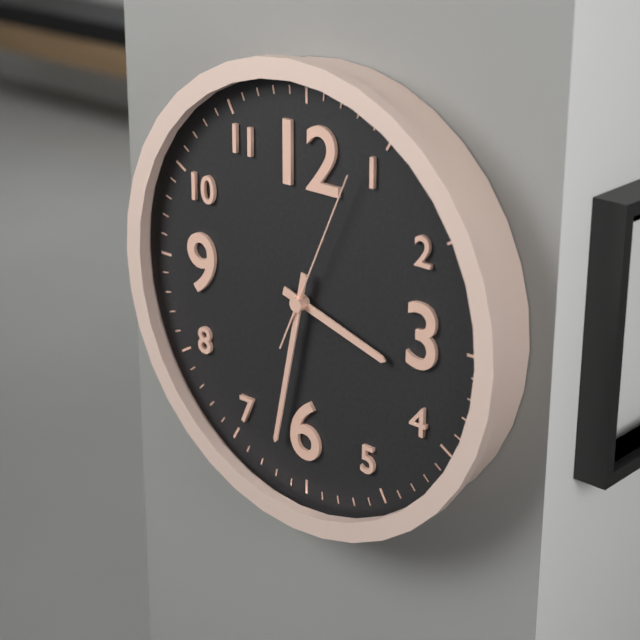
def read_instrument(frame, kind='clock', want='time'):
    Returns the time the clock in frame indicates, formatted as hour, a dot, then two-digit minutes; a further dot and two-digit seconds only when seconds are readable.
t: 3.32.04
